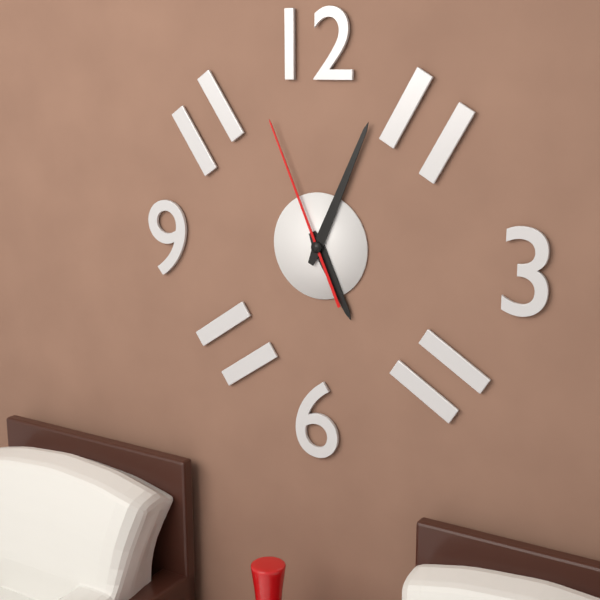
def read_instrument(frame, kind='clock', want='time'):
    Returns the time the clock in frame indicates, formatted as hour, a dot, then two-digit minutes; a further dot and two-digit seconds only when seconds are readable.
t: 5.04.56
